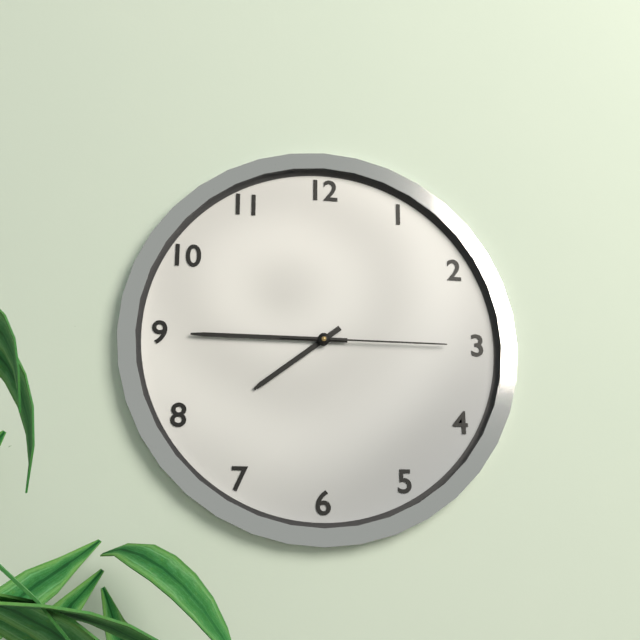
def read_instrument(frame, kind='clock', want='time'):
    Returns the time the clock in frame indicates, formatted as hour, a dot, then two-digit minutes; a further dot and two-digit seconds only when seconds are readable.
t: 7.45.15
